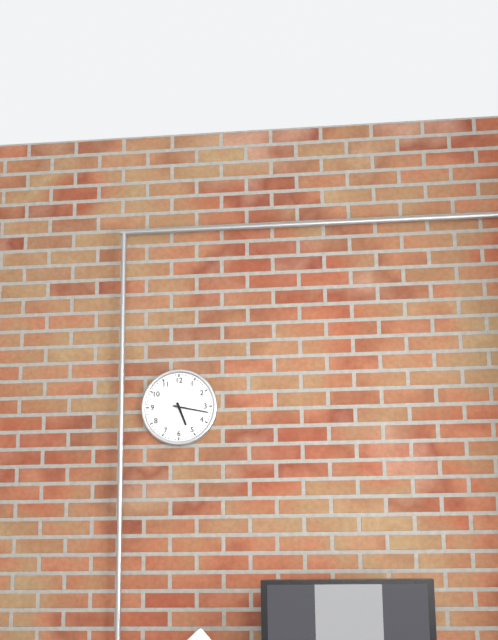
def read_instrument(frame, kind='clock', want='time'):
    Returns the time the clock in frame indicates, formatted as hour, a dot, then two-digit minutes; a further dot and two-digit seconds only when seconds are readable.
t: 5.17
